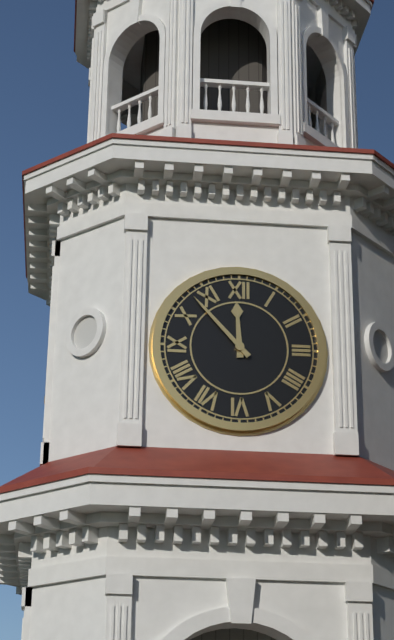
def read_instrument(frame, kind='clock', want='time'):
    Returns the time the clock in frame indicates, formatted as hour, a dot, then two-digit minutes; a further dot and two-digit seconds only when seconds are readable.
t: 11.53
